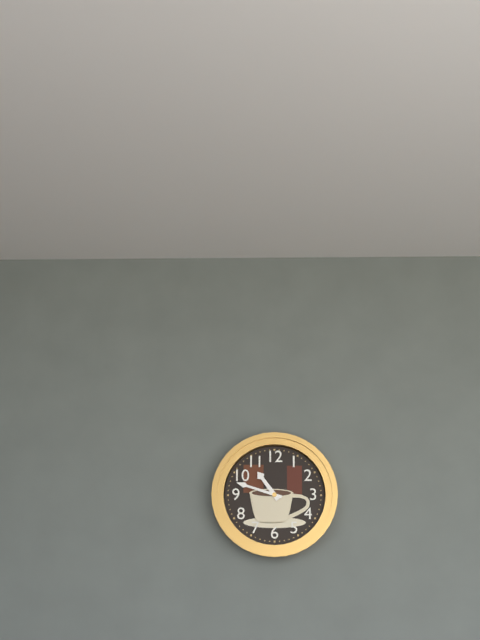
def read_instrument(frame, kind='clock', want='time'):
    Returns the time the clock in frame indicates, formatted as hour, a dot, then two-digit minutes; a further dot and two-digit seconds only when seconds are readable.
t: 10.48
